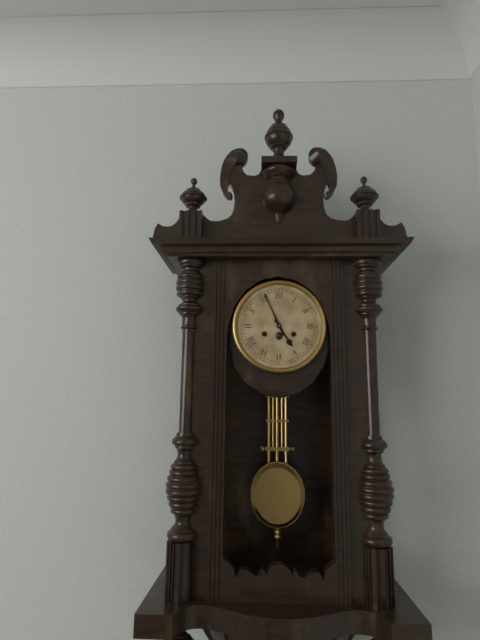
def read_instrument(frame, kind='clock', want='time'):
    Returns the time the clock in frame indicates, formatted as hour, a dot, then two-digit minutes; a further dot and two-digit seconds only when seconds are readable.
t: 4.56
